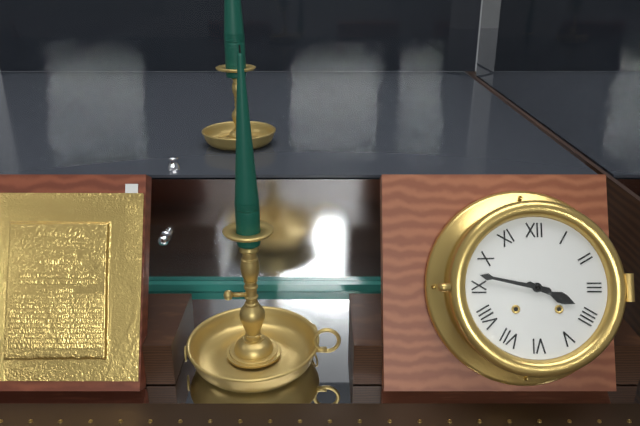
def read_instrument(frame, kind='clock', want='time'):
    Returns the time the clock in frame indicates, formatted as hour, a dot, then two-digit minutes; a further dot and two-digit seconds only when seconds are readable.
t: 3.47
